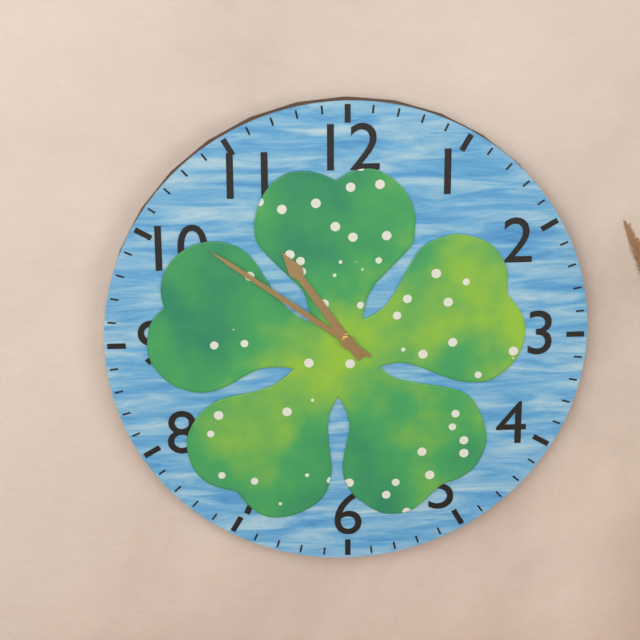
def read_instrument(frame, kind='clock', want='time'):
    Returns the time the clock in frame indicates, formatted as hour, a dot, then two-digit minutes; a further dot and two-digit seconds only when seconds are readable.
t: 10.51
